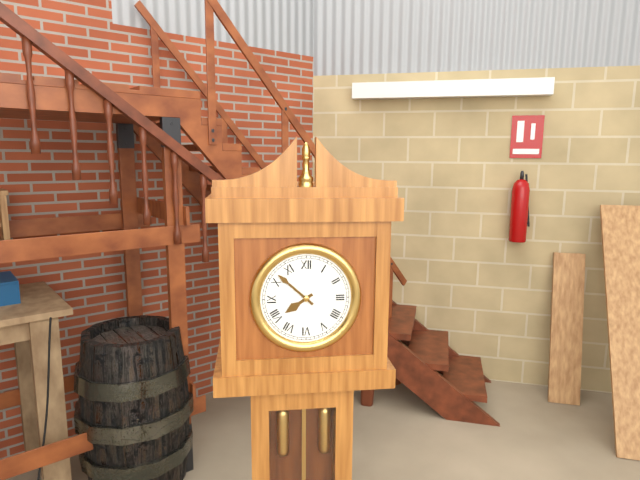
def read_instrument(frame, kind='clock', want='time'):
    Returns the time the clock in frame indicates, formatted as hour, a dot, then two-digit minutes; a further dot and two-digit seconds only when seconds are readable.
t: 7.52
